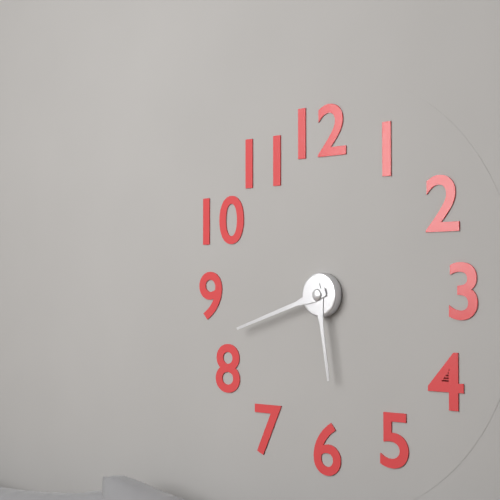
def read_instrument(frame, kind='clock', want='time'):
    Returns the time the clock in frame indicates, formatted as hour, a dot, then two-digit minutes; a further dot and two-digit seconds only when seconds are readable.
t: 5.42
